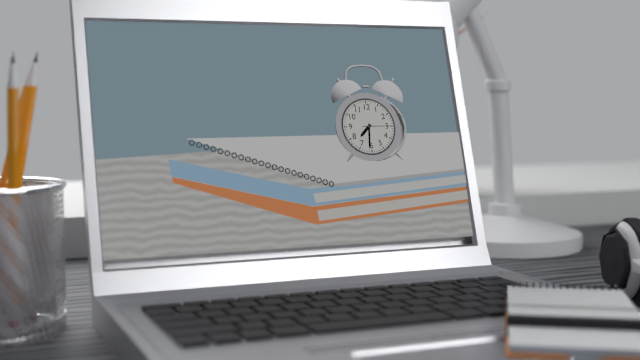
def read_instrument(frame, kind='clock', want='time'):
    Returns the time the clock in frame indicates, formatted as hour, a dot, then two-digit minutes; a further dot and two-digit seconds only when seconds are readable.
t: 7.31
